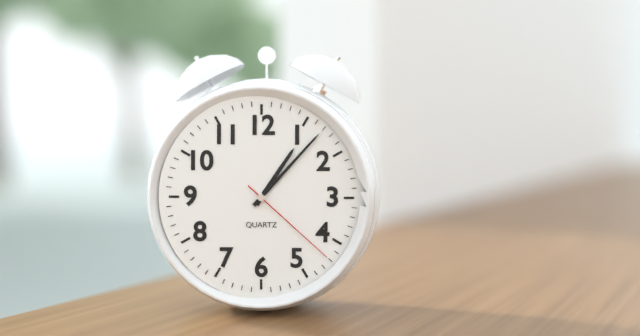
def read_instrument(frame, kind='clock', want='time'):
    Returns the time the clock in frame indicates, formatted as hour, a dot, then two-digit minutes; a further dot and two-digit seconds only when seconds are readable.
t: 1.07.22
